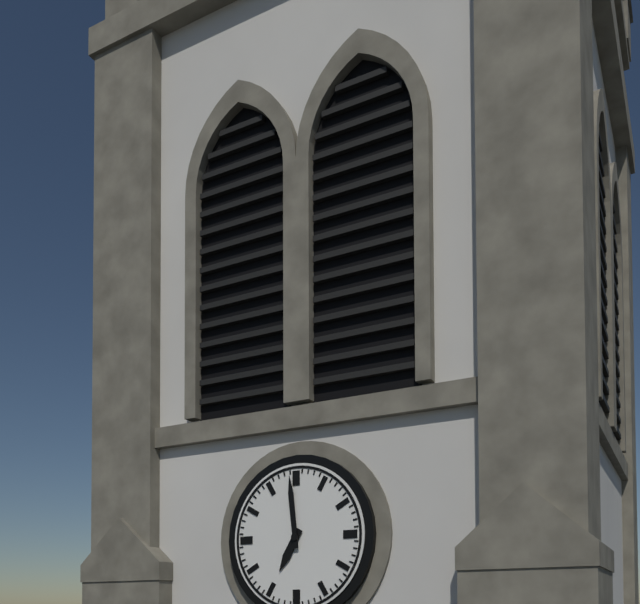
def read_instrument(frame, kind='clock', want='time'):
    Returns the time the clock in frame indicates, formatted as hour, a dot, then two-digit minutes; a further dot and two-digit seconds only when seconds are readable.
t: 6.59
